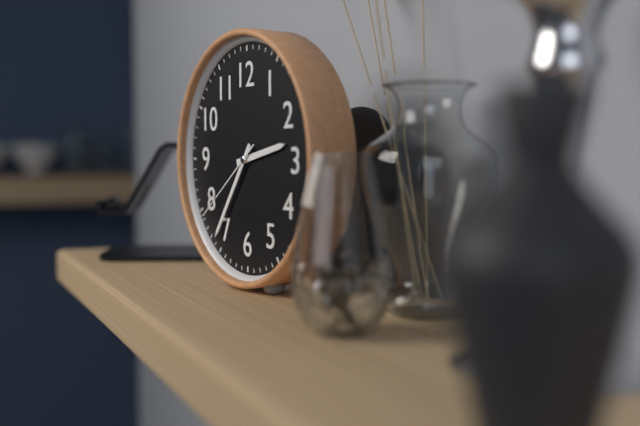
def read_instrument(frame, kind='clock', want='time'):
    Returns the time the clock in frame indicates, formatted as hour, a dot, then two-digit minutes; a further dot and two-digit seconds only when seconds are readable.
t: 2.36.39
